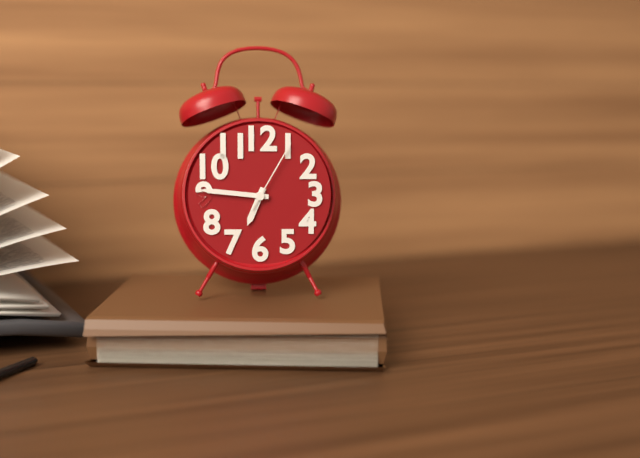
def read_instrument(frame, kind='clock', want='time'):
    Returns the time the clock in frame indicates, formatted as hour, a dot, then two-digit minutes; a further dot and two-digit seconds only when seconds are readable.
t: 6.46.05
